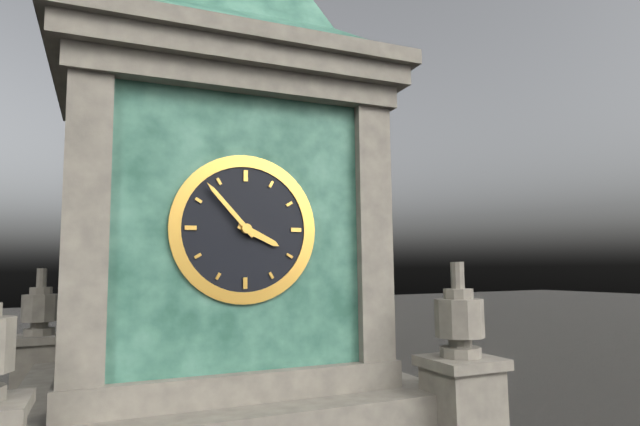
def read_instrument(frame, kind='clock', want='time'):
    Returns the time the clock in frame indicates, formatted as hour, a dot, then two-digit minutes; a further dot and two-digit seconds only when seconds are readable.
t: 3.53
